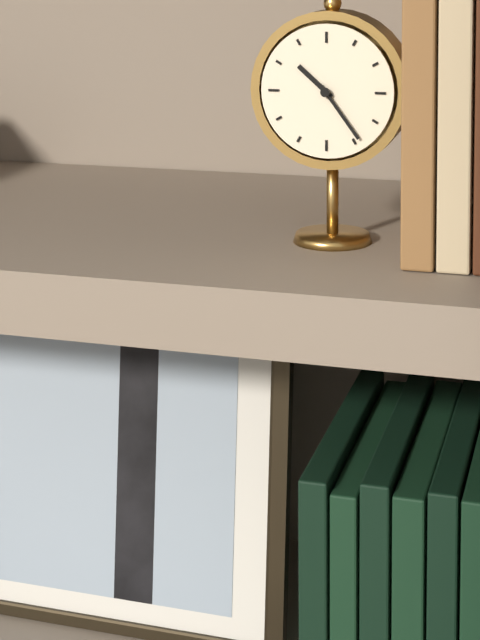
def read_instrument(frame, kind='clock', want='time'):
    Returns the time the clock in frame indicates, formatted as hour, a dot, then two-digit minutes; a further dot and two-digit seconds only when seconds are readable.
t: 10.24
